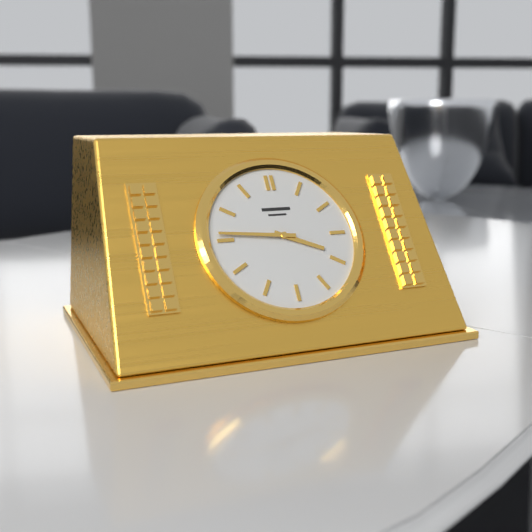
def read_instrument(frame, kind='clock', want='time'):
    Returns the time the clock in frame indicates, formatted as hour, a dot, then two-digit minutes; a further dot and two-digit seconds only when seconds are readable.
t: 3.46
